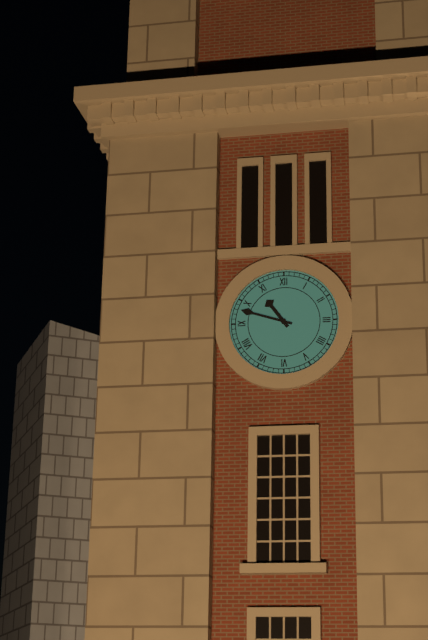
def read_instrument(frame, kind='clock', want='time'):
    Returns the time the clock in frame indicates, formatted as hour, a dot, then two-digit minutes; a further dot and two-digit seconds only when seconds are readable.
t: 10.48
